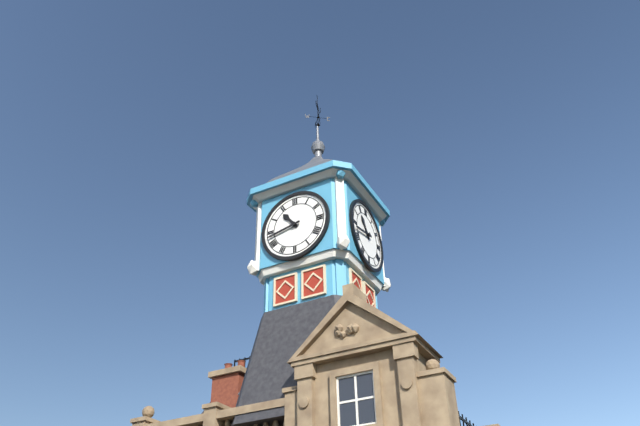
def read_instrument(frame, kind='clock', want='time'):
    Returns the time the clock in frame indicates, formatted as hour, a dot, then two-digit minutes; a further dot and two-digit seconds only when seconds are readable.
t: 10.43
